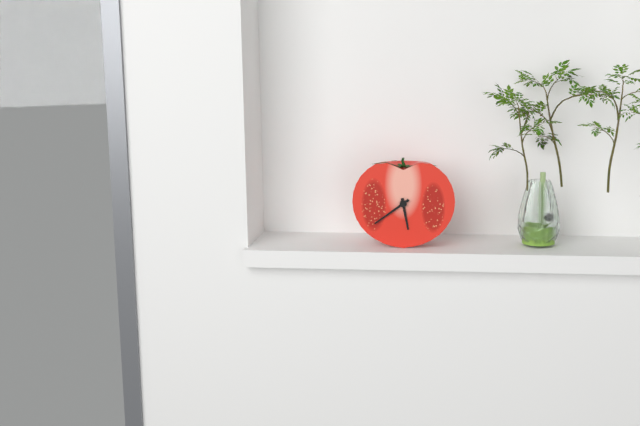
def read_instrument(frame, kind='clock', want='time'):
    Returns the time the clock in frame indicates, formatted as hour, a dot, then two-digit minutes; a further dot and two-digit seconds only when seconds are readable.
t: 5.39
